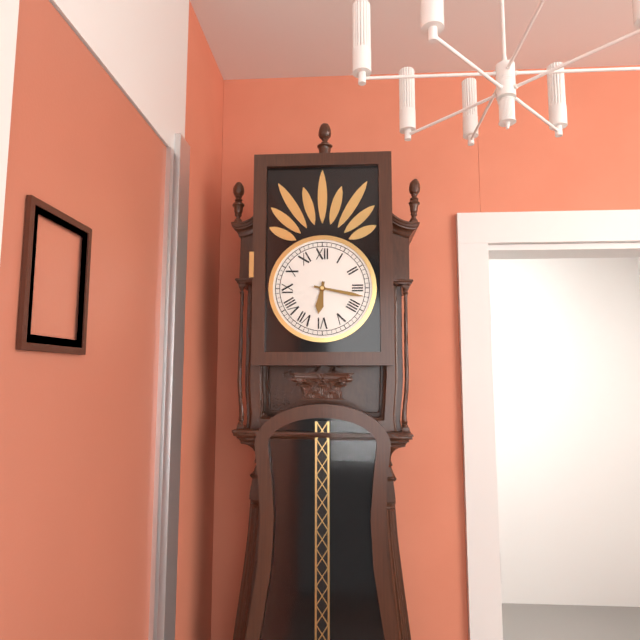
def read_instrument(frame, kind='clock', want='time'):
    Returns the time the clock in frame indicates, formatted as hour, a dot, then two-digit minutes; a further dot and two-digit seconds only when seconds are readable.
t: 6.17
